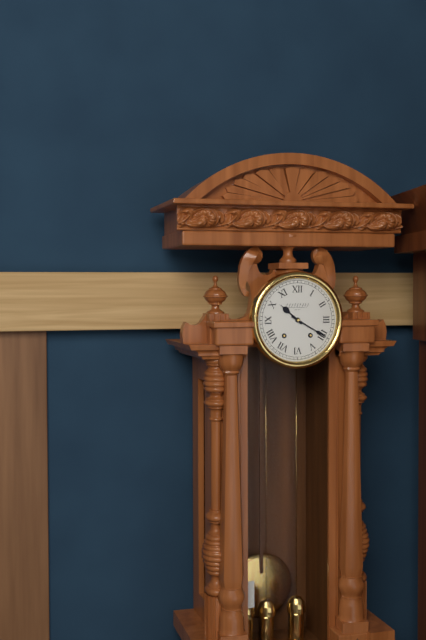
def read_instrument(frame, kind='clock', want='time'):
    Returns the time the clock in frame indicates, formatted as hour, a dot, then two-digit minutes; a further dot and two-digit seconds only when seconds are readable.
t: 10.20
